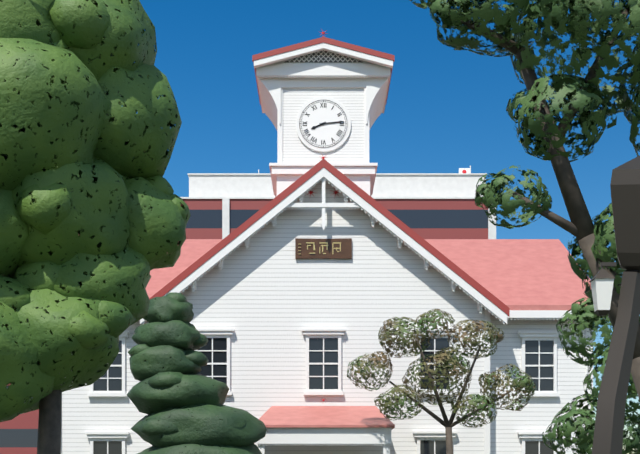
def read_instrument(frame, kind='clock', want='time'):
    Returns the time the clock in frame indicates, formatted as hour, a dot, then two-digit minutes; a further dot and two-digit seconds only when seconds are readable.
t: 8.14
